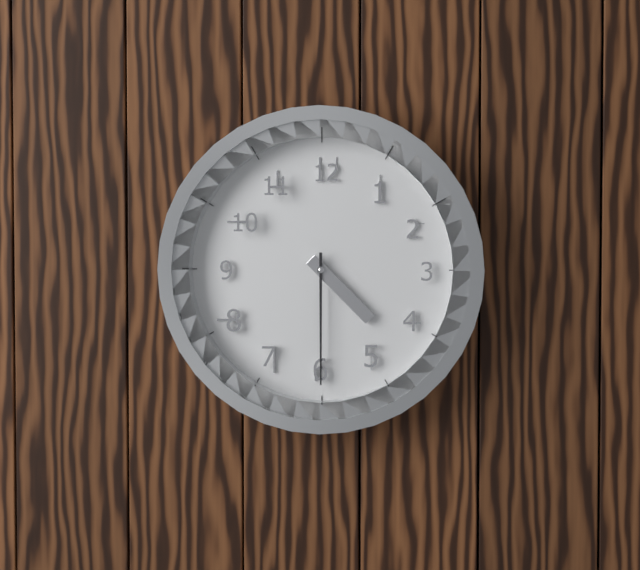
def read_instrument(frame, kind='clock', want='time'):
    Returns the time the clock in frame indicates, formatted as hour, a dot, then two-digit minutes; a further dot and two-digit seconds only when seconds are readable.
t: 4.30
